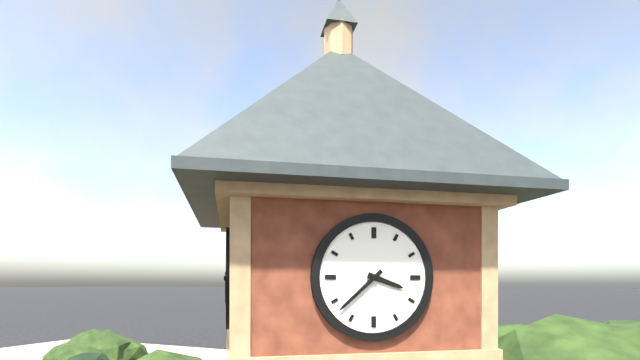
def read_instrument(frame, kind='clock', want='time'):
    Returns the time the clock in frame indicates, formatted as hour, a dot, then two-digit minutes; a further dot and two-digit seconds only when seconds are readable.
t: 3.38
